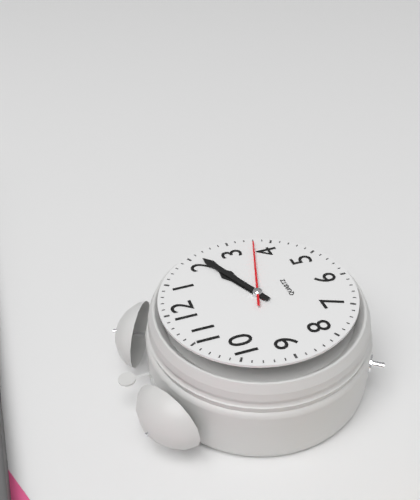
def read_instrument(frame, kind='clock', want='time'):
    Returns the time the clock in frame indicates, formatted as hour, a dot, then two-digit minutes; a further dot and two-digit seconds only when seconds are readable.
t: 2.11.18
